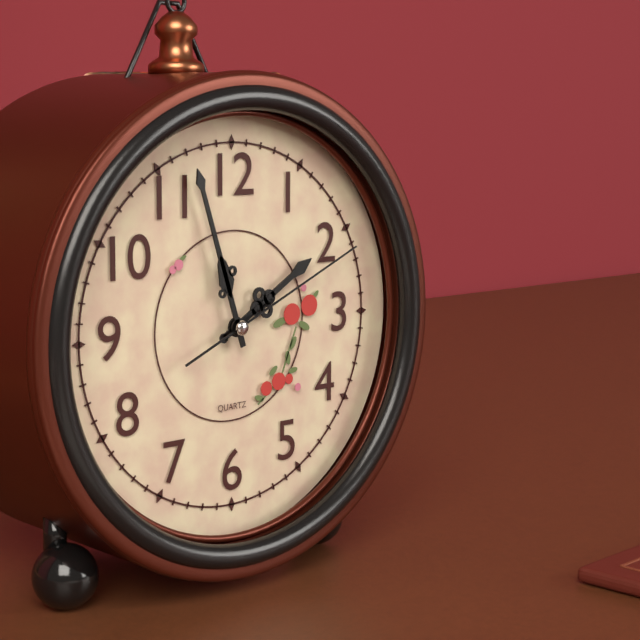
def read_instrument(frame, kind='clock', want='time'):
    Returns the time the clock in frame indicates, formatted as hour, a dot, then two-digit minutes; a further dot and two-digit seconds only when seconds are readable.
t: 1.57.11
